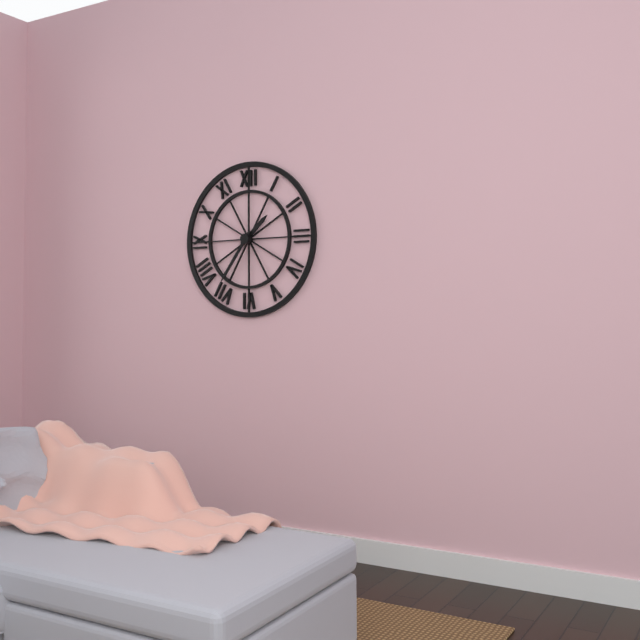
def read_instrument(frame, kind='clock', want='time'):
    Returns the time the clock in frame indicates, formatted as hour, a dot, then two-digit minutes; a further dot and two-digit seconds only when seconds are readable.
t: 1.36
